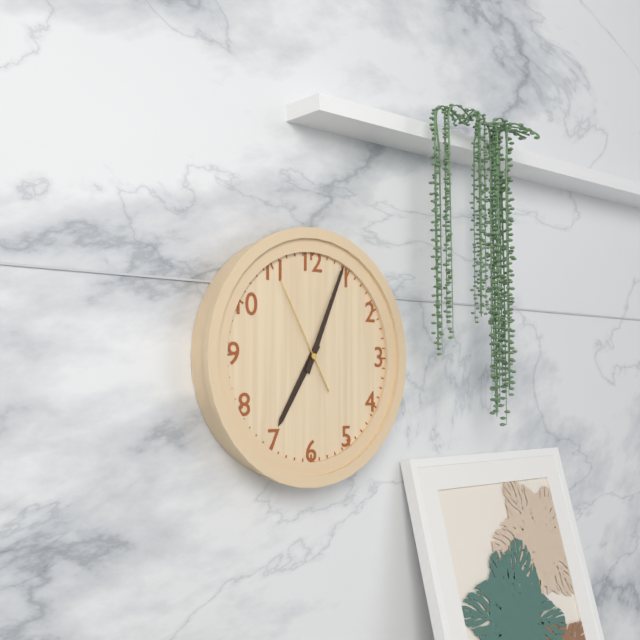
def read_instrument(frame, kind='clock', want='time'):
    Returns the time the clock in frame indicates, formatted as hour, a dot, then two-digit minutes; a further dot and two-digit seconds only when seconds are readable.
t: 7.04.55
